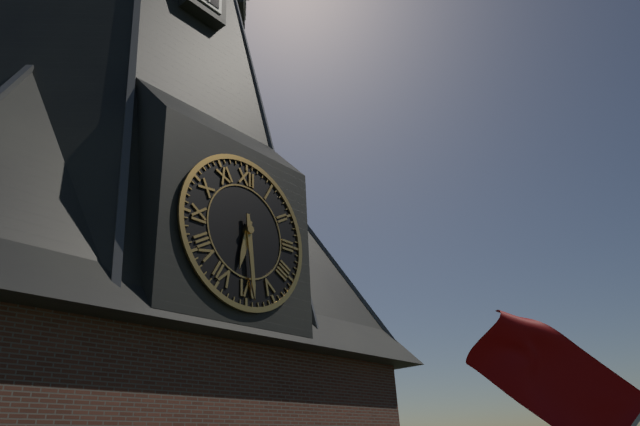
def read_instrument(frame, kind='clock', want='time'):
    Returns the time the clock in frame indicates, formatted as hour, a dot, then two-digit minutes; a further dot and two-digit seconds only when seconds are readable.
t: 6.29
